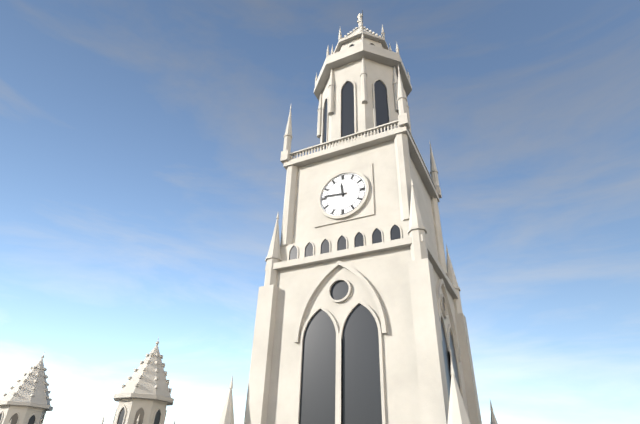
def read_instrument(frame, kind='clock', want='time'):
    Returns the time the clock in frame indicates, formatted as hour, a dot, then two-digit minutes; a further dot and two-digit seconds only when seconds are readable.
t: 11.46
